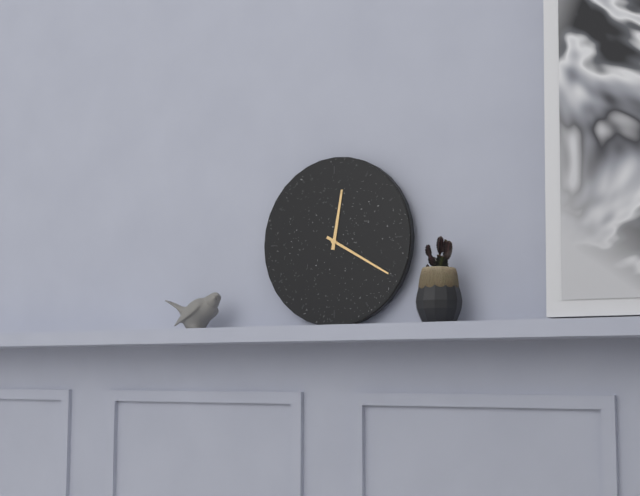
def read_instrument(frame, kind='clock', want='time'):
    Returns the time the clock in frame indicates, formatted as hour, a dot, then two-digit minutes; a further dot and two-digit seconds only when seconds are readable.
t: 12.20
